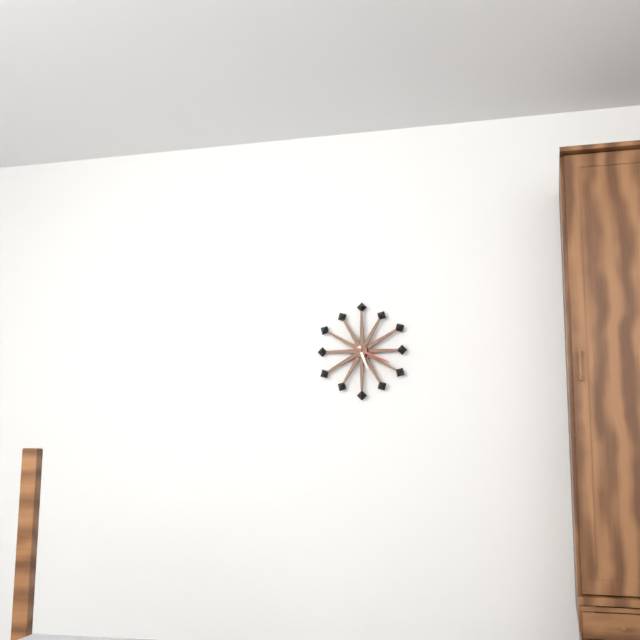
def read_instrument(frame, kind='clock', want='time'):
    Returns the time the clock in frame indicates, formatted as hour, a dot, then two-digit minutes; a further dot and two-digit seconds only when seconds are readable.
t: 5.19
